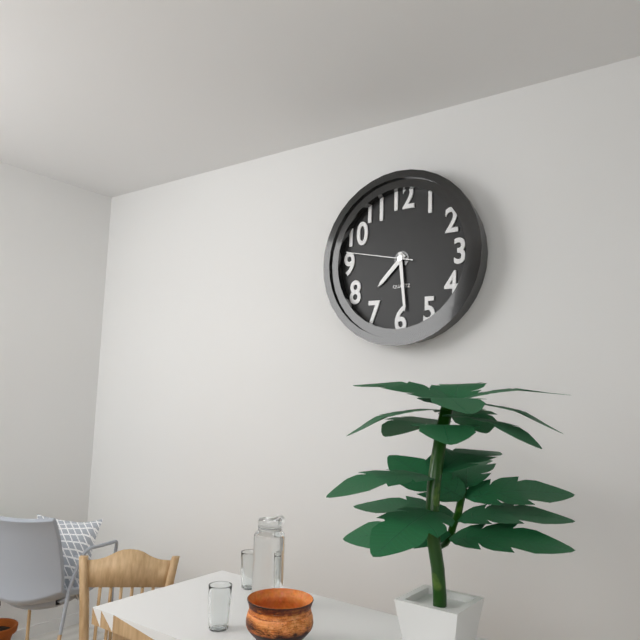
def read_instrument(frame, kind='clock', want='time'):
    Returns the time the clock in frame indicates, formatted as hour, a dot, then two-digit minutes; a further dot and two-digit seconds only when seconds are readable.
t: 7.29.47
